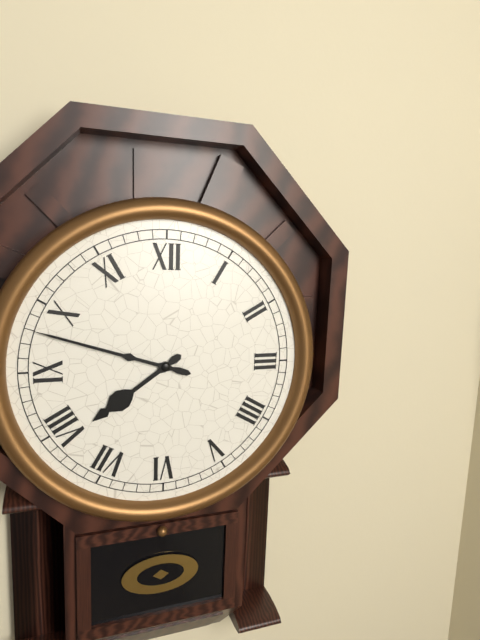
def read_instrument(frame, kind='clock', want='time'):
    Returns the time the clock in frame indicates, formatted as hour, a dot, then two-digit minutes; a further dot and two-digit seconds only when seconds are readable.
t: 7.48
